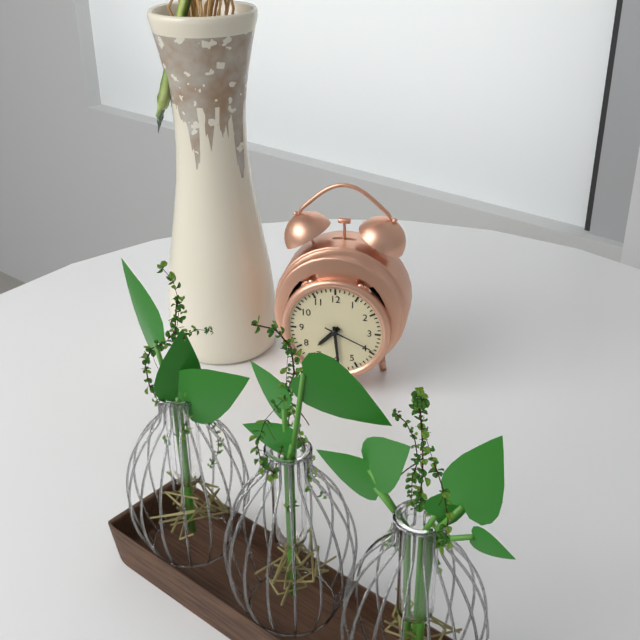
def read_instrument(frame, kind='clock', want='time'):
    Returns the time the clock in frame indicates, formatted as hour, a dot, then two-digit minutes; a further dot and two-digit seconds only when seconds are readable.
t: 7.29.19
